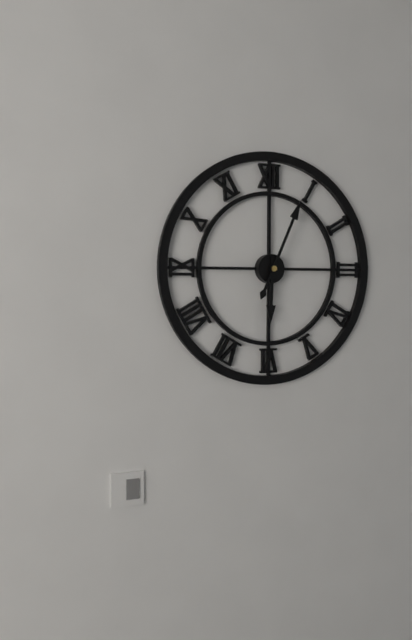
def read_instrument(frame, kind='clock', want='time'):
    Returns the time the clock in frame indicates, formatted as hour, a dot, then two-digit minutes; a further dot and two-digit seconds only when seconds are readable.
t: 6.04
